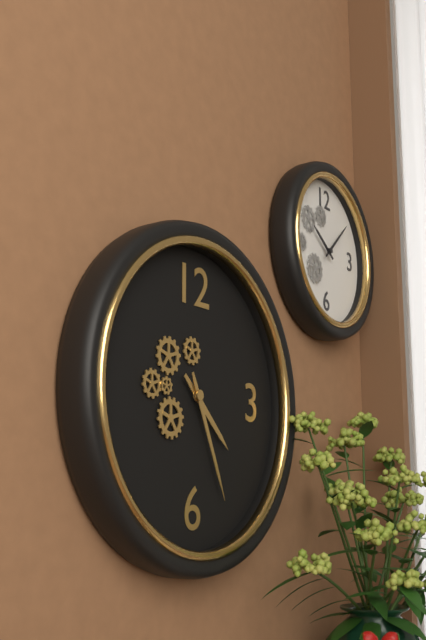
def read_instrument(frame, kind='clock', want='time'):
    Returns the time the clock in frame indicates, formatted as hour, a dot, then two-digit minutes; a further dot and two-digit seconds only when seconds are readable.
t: 4.26
